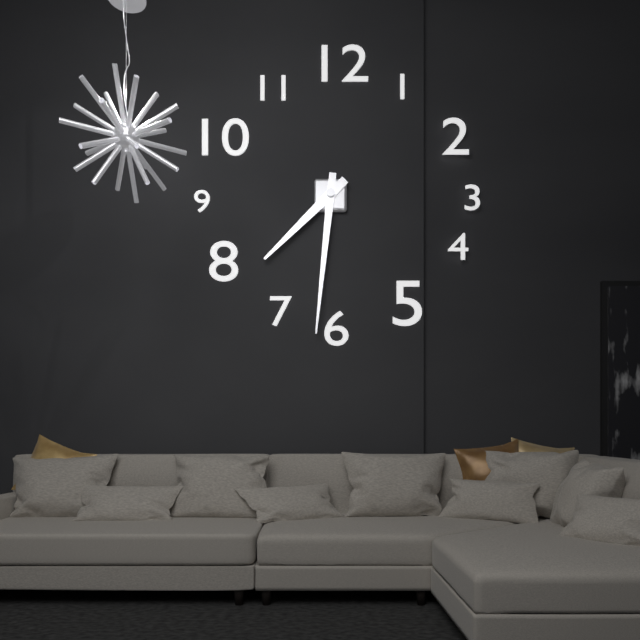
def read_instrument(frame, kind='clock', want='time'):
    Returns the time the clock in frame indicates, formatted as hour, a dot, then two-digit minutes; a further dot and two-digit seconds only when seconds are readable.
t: 7.31
